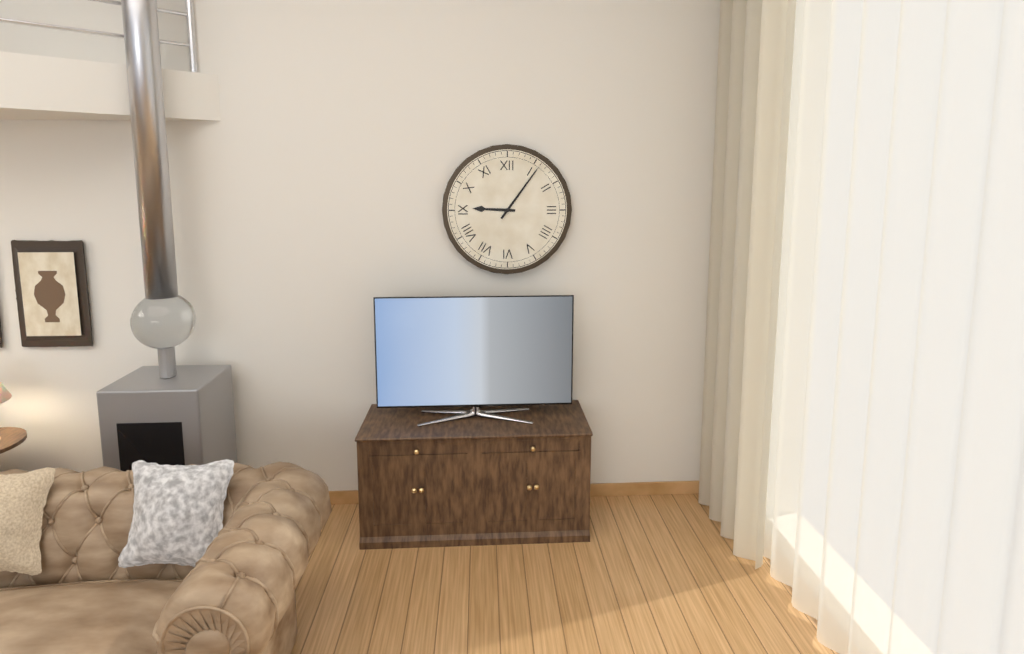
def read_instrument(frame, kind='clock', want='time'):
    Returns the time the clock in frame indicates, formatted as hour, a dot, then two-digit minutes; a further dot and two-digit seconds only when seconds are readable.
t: 9.06
